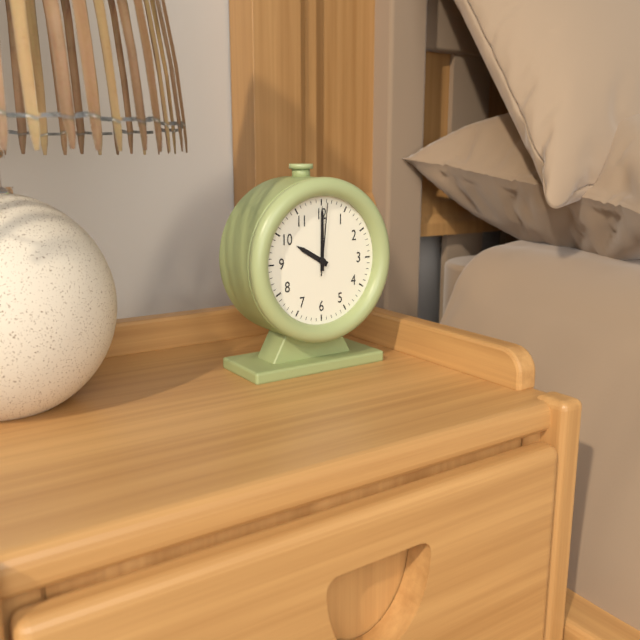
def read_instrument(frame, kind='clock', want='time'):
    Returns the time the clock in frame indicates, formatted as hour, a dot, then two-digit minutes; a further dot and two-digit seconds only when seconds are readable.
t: 10.00.01
